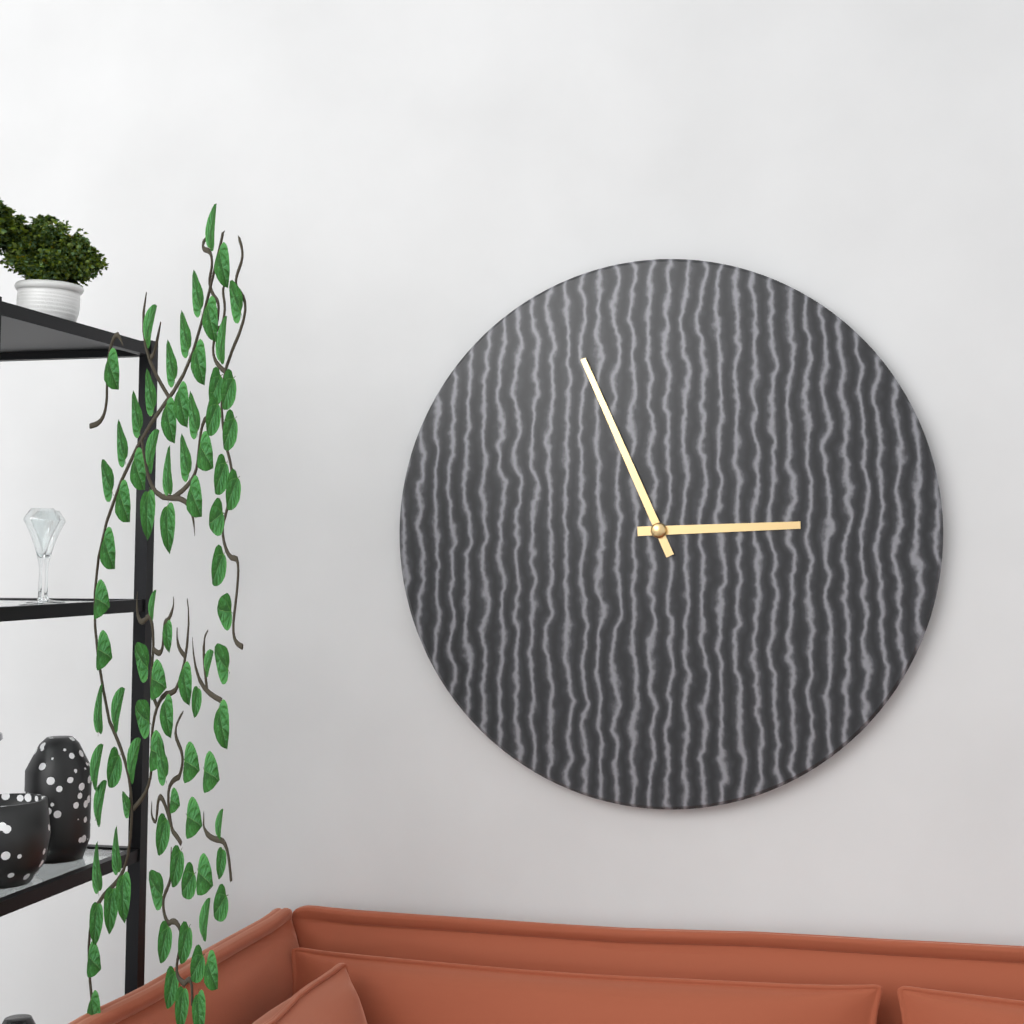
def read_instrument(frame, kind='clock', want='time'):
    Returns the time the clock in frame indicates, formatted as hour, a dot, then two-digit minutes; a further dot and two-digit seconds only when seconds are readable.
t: 2.56
